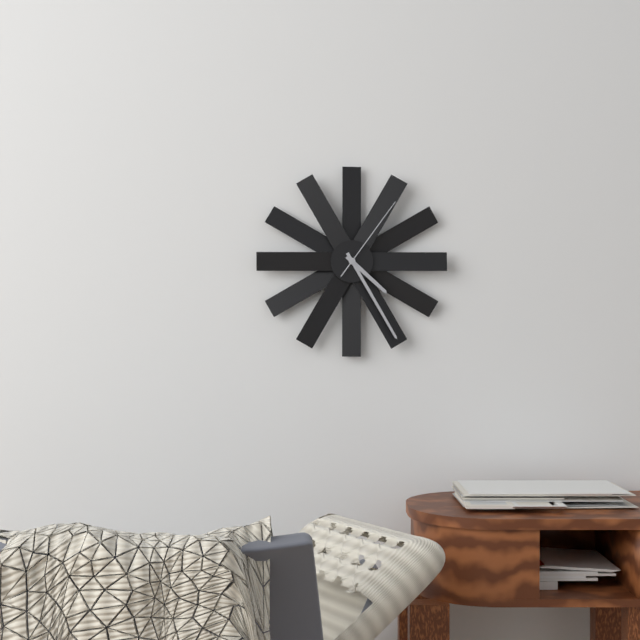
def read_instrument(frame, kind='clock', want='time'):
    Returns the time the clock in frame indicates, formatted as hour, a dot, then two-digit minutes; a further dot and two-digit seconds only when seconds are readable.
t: 4.25.06
